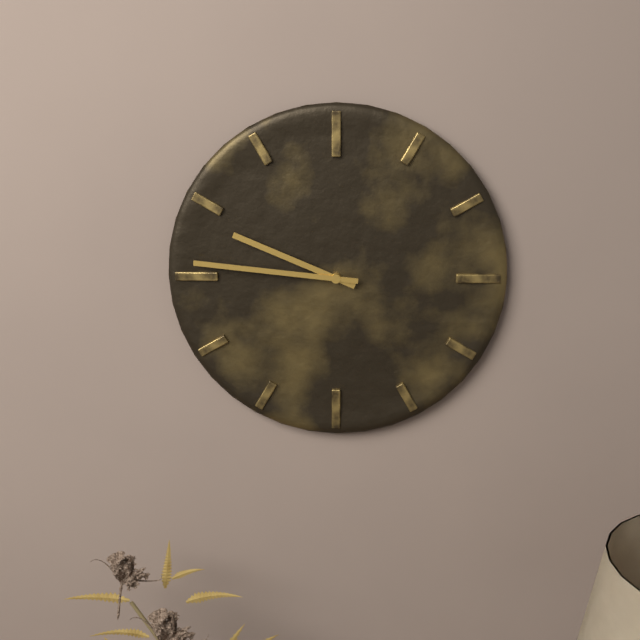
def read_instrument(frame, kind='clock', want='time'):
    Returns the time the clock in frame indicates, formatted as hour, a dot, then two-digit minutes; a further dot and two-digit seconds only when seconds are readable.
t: 9.46
